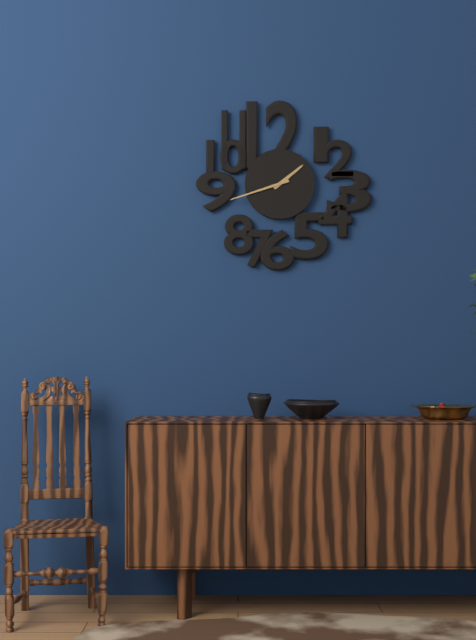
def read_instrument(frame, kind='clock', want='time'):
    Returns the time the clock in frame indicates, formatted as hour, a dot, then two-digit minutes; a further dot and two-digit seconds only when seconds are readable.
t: 1.42
